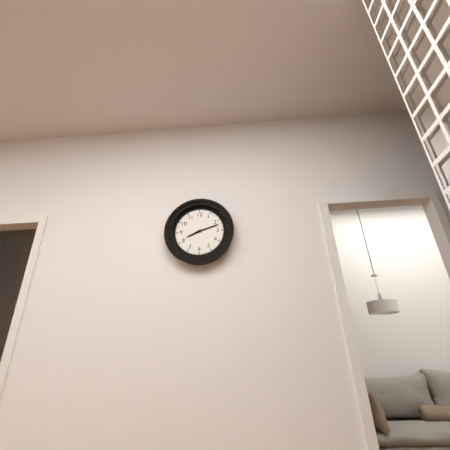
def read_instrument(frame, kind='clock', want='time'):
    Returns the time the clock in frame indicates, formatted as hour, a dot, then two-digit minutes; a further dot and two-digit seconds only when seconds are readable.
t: 8.12
